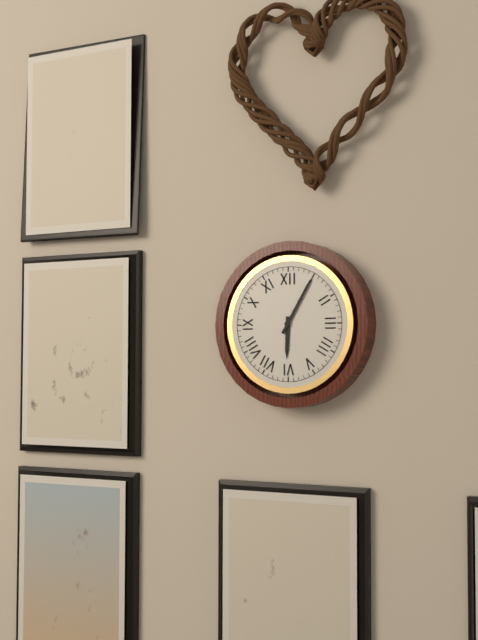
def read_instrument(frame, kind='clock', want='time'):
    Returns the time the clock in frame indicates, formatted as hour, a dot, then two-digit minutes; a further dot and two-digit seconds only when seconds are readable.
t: 6.05
